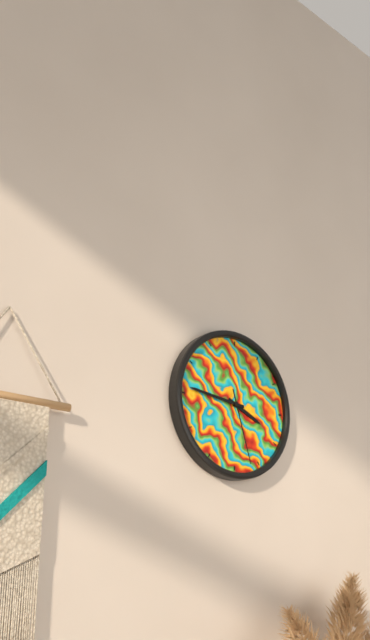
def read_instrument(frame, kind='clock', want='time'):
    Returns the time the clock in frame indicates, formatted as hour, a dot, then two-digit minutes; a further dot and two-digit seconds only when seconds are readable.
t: 3.46.27
